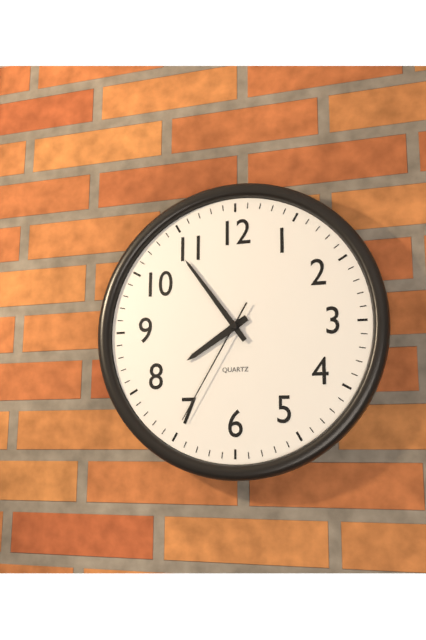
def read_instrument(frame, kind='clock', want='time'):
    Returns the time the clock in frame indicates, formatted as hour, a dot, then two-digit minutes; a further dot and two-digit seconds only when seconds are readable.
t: 7.54.35
